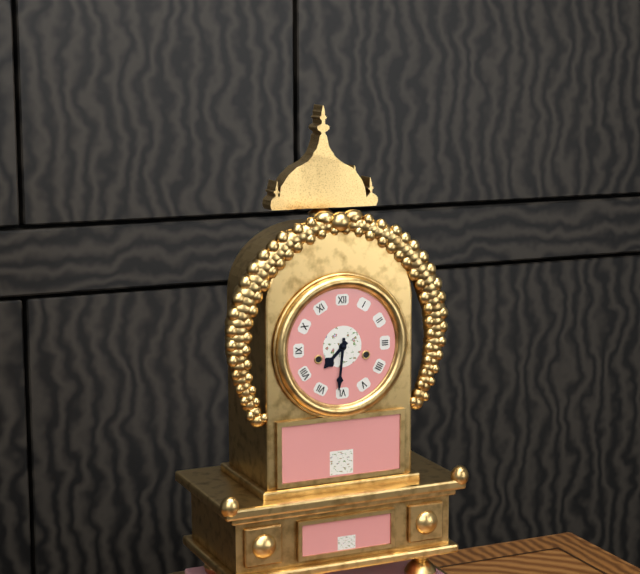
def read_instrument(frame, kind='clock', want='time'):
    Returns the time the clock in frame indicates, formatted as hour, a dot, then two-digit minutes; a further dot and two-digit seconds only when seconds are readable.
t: 7.31
